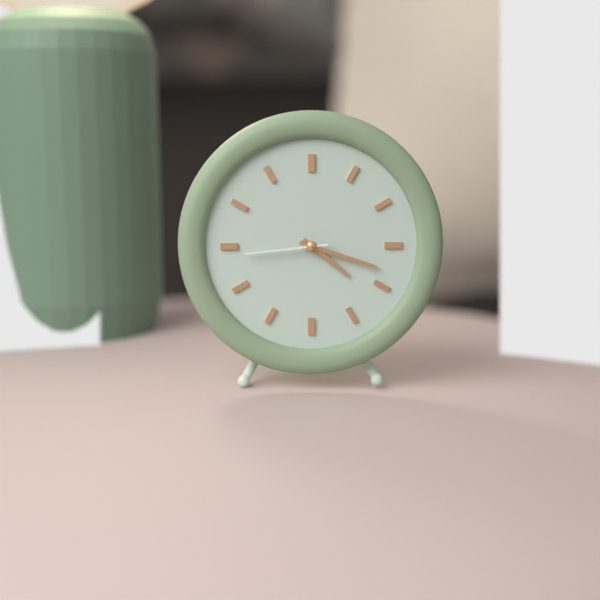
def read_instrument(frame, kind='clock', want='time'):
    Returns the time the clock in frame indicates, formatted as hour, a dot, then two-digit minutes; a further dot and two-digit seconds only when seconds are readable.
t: 4.18.44
